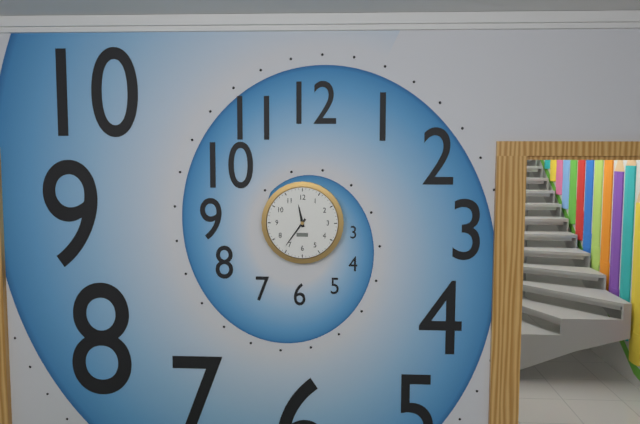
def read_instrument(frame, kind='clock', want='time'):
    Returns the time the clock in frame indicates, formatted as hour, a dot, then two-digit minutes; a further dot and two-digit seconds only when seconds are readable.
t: 11.36
